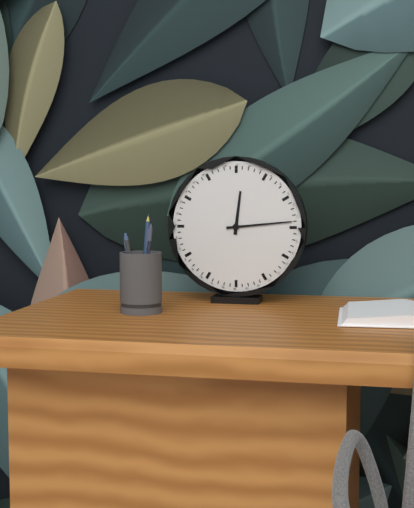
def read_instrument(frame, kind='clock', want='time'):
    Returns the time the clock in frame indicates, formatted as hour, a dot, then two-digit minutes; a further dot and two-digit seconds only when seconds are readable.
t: 12.14
